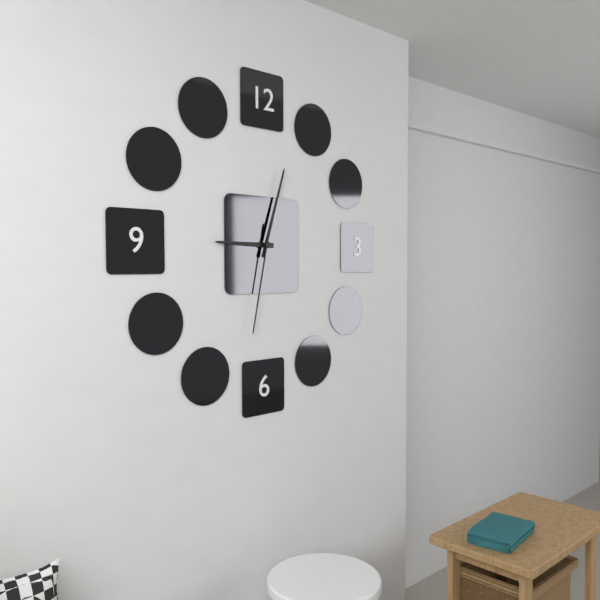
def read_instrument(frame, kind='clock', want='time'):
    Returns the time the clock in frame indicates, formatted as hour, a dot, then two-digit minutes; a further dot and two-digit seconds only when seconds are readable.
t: 9.03.32
